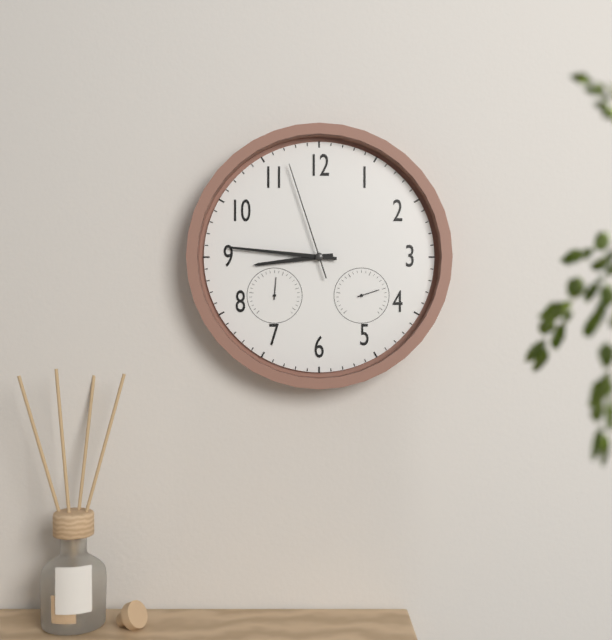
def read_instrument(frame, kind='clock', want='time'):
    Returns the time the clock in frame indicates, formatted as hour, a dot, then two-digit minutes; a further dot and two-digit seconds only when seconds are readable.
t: 8.46.57
